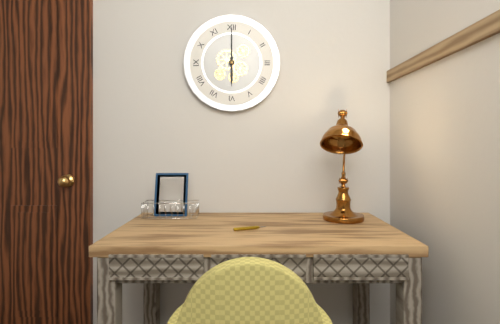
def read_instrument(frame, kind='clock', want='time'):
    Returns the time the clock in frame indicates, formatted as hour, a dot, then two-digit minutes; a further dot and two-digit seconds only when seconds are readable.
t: 6.00
